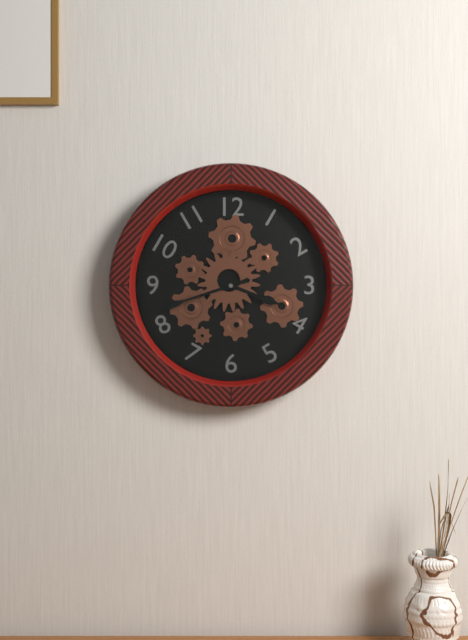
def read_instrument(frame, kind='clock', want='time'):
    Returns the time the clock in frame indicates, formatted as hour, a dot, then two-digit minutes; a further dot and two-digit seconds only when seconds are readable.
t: 3.42
